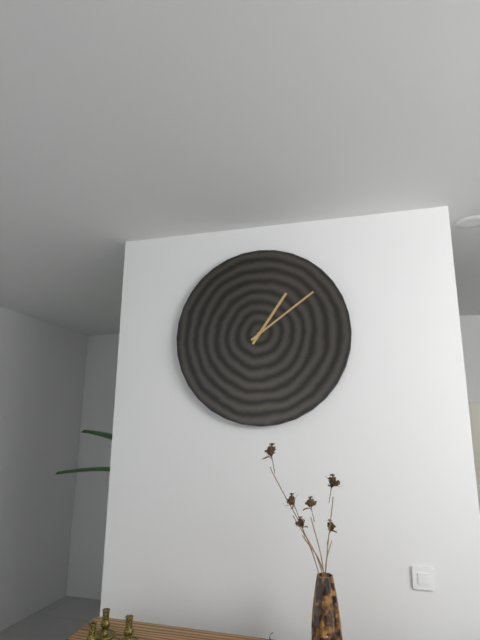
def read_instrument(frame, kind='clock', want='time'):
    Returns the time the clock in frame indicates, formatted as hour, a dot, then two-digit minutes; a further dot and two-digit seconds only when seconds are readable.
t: 1.09
